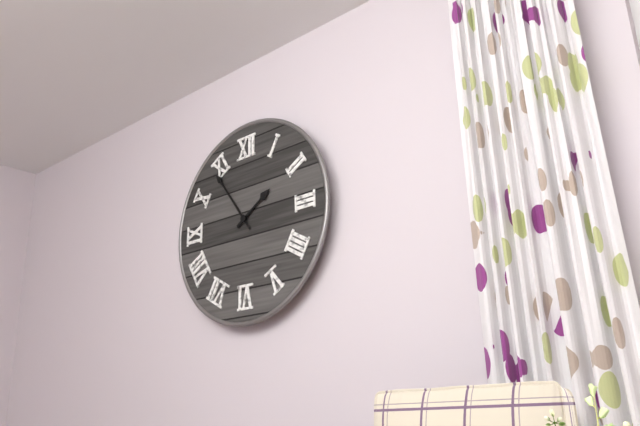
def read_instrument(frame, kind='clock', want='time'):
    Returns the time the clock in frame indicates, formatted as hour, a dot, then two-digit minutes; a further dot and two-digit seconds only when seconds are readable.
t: 1.54
